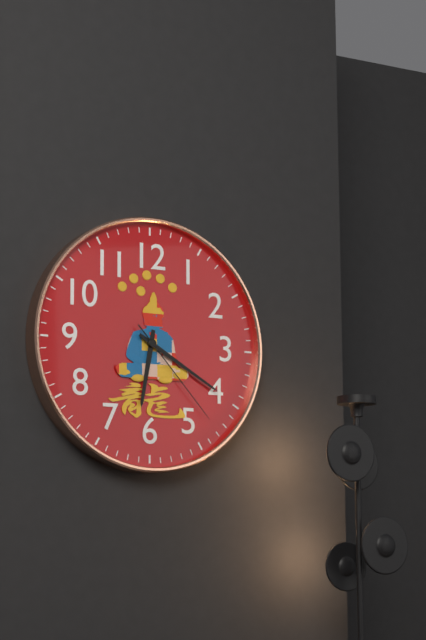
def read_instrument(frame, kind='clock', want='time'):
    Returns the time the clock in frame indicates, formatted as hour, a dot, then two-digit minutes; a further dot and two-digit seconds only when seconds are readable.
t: 6.20.23
